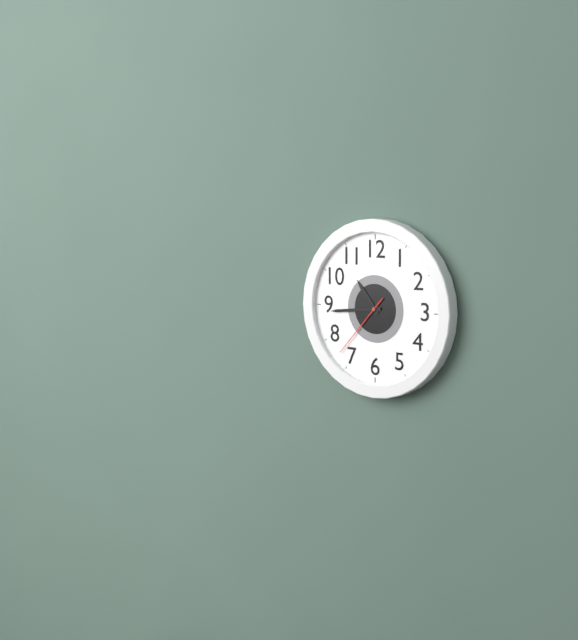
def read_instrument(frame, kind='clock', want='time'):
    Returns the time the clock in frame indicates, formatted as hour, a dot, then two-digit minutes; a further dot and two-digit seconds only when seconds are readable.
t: 10.44.37
